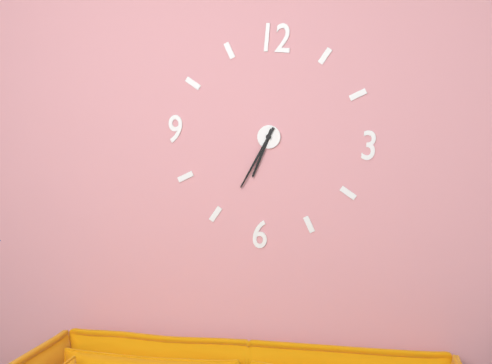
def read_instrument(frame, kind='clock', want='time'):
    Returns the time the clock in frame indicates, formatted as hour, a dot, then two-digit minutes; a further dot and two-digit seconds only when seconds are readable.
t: 6.34
